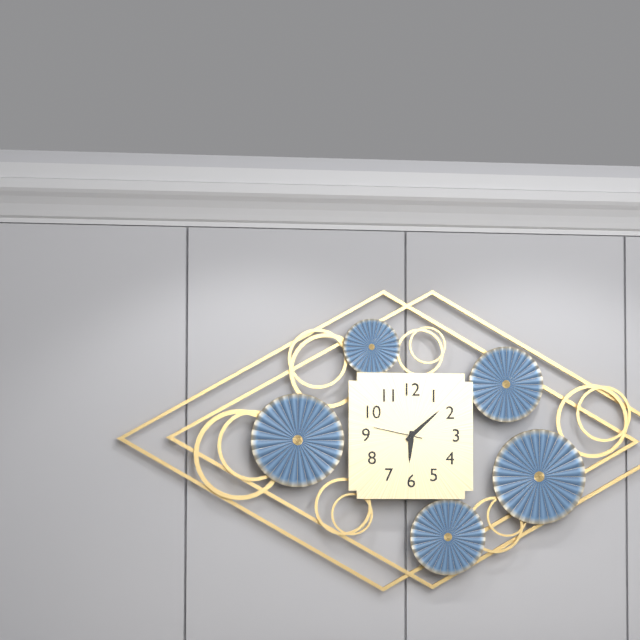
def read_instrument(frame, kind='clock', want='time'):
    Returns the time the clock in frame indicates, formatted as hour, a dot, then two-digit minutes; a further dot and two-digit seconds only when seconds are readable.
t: 6.08
